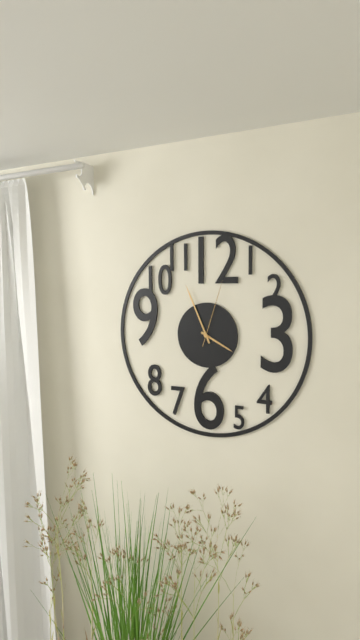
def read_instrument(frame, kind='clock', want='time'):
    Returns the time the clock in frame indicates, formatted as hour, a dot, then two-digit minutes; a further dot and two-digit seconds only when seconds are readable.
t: 3.56.03
